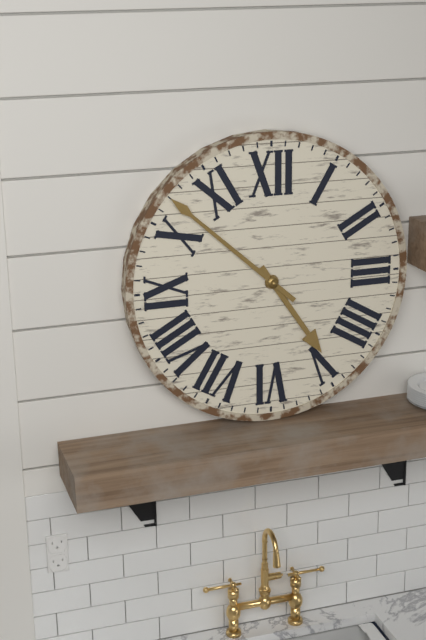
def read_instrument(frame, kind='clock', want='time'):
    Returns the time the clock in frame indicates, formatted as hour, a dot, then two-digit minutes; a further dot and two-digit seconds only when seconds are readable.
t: 4.52
